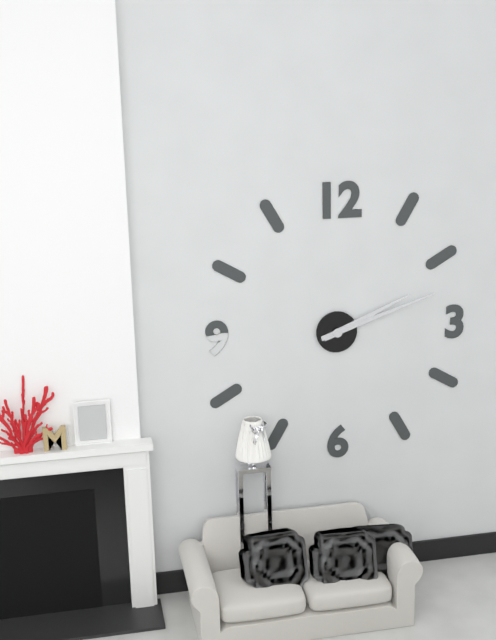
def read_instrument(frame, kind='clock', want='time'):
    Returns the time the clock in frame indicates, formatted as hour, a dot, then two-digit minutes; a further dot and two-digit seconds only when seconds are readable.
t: 2.12
